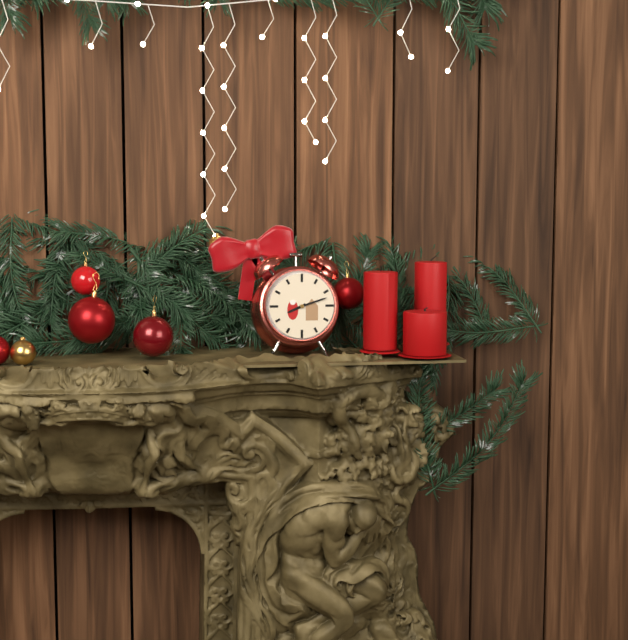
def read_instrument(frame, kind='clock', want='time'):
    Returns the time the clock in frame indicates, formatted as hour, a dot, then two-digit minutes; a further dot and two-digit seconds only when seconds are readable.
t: 8.12
